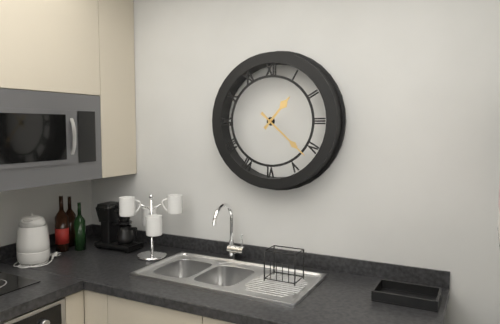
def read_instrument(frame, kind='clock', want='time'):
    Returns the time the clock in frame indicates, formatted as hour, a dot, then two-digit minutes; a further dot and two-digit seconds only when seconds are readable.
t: 1.22
